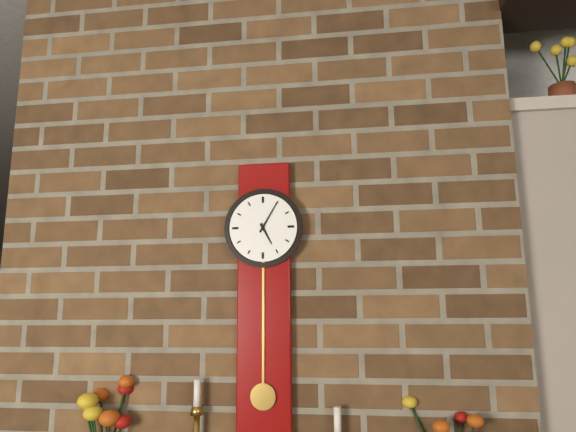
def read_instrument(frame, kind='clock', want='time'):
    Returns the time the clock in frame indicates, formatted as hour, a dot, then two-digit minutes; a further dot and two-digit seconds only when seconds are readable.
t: 5.05
